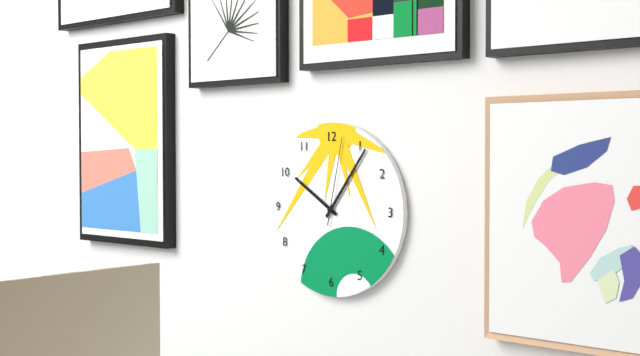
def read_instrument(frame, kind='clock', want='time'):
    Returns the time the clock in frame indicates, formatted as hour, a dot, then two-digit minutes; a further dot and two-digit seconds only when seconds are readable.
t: 10.06.02
